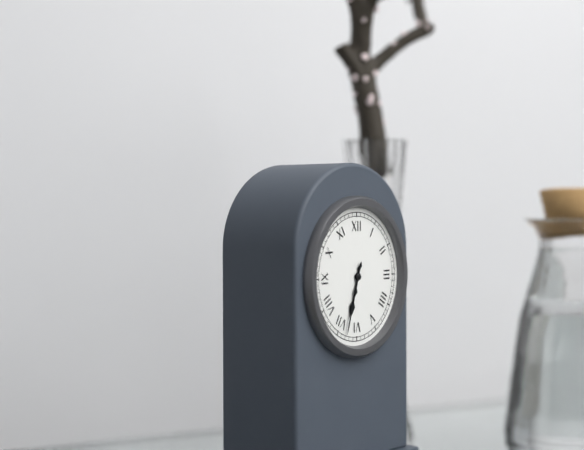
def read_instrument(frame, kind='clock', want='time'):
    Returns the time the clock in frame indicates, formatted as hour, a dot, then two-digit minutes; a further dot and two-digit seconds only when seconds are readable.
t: 6.33
